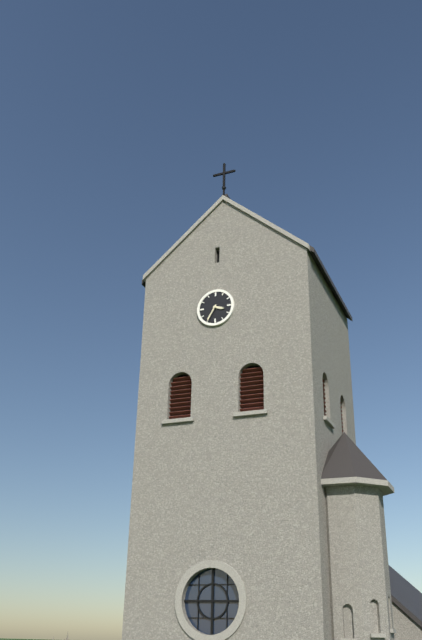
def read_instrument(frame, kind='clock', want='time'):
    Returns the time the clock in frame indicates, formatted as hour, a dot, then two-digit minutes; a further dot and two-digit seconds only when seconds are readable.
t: 3.35
